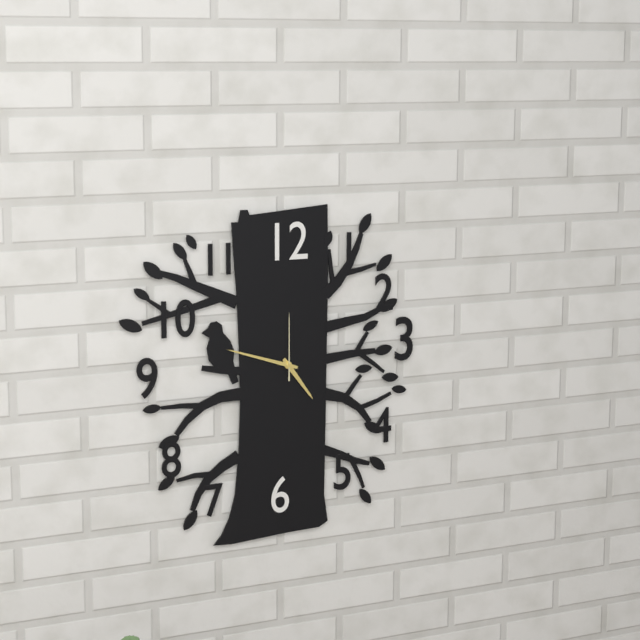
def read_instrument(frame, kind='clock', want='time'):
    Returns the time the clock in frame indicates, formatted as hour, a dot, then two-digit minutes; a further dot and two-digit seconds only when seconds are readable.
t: 4.48.00
